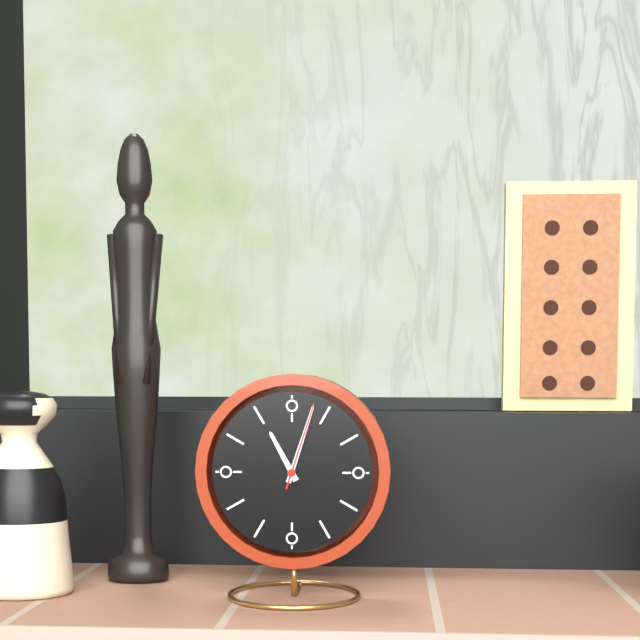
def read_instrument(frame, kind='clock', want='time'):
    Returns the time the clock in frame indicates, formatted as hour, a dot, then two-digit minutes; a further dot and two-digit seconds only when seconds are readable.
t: 11.03.03
